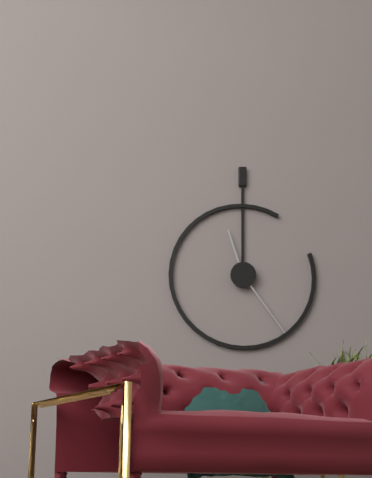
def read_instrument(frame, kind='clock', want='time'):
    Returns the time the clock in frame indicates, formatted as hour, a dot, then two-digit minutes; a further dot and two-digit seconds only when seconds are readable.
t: 11.24
